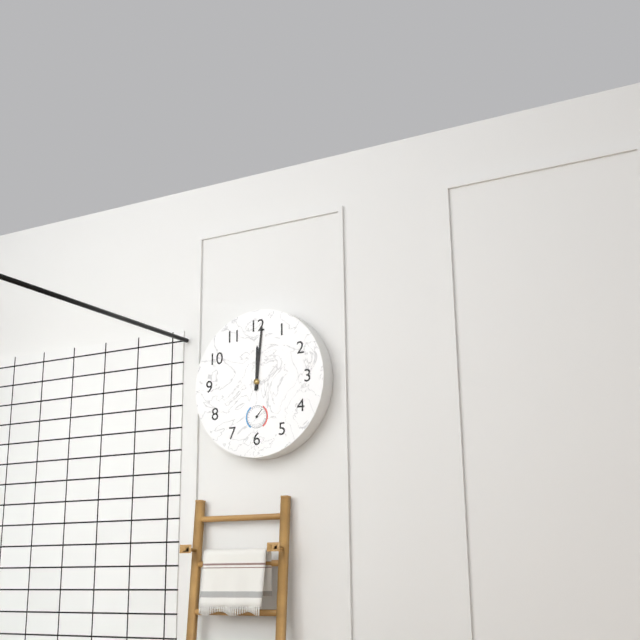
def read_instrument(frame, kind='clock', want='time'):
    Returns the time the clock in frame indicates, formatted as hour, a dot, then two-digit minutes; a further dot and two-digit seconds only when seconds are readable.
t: 12.01
